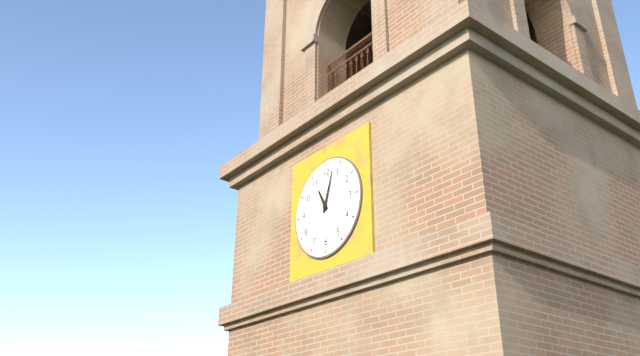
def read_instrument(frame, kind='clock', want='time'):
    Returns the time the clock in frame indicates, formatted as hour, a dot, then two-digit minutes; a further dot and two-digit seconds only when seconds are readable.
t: 11.03
